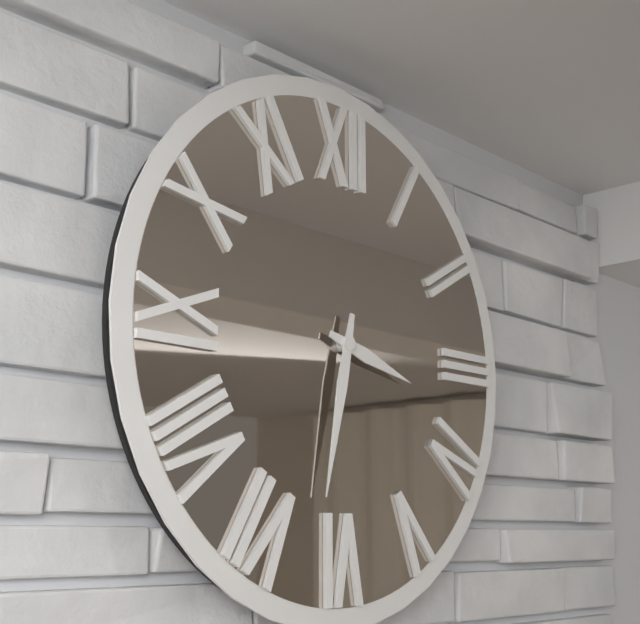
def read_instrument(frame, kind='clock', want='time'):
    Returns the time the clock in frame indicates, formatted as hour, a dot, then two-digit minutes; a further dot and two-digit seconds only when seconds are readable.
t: 3.32
